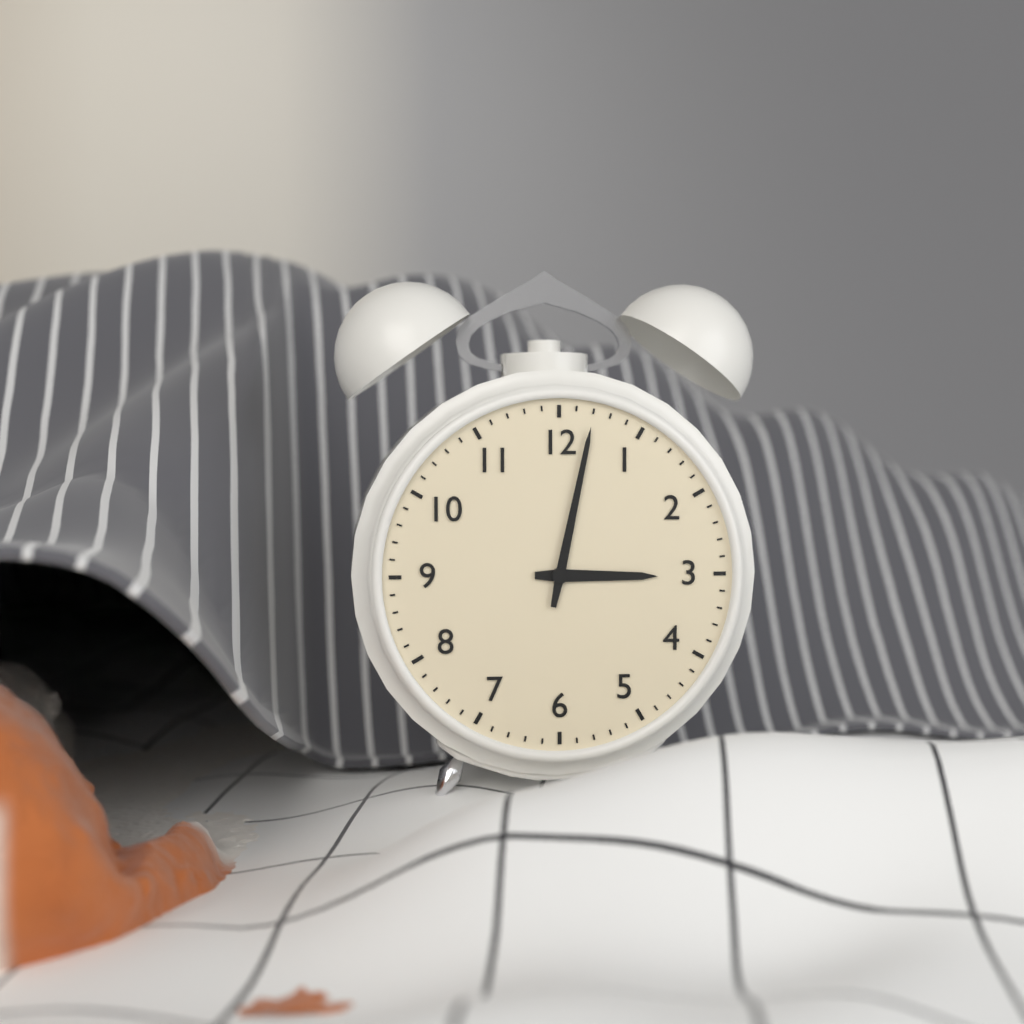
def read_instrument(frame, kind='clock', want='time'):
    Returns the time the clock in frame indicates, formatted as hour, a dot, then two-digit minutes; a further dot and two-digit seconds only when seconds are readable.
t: 3.02
